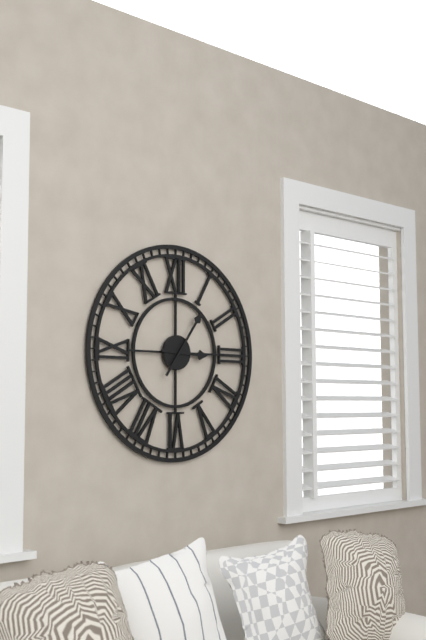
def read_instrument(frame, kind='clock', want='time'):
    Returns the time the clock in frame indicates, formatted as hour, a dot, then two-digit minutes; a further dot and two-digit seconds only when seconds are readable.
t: 3.06
